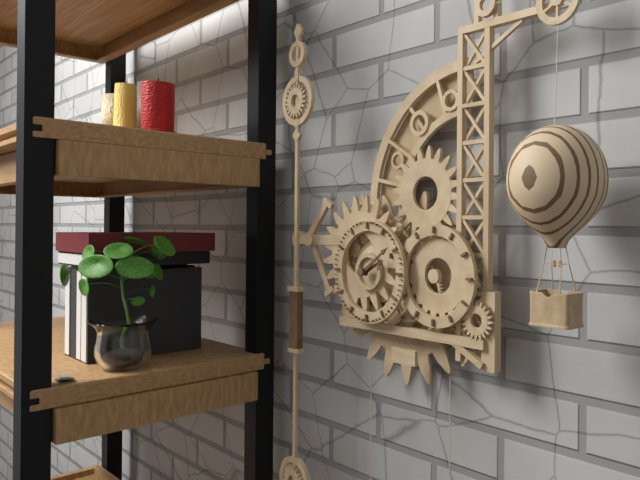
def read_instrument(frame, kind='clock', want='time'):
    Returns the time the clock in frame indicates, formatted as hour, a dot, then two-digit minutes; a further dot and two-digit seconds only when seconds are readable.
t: 2.09
